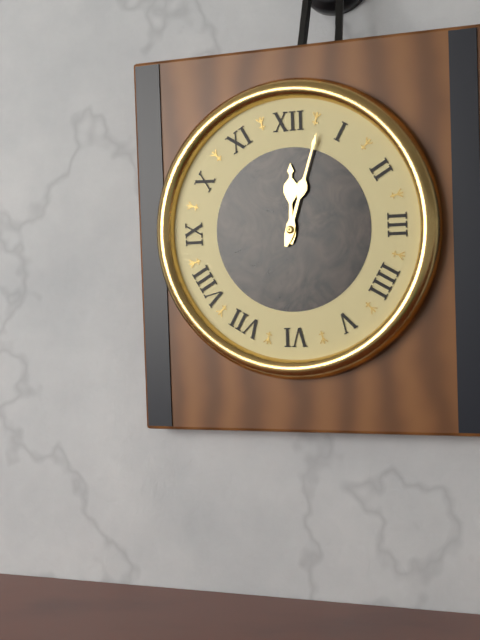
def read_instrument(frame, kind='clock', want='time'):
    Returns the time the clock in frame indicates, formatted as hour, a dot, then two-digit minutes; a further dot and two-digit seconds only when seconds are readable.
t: 12.03
